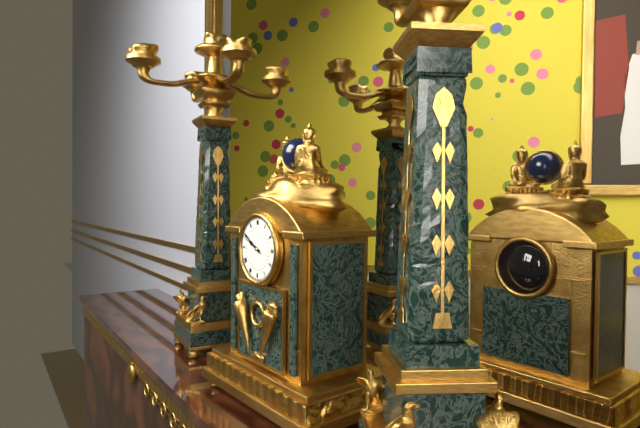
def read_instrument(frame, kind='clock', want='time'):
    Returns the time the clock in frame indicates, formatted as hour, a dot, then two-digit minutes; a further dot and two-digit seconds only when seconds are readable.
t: 9.50
